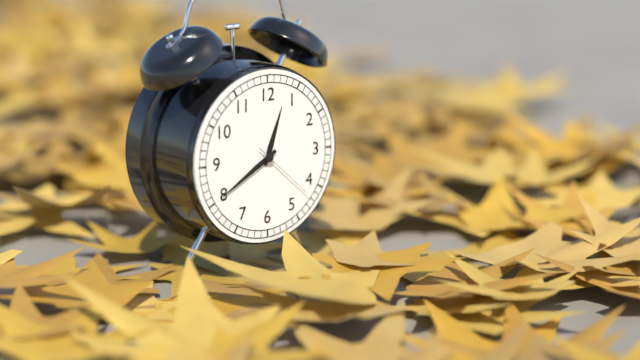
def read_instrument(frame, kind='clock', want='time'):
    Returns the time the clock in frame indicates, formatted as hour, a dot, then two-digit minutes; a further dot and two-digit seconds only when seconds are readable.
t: 12.40.22
